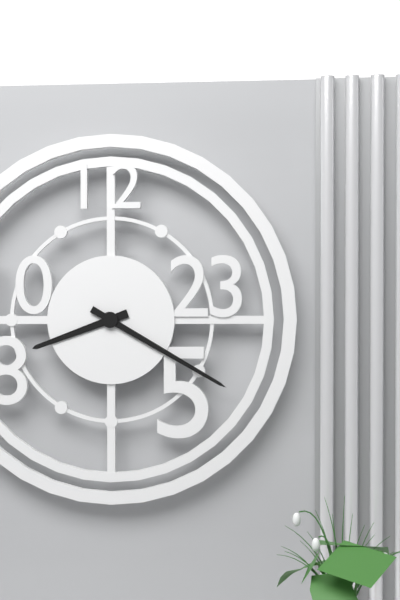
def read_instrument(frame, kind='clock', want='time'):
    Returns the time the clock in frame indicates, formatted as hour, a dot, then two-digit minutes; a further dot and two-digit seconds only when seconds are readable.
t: 8.20
